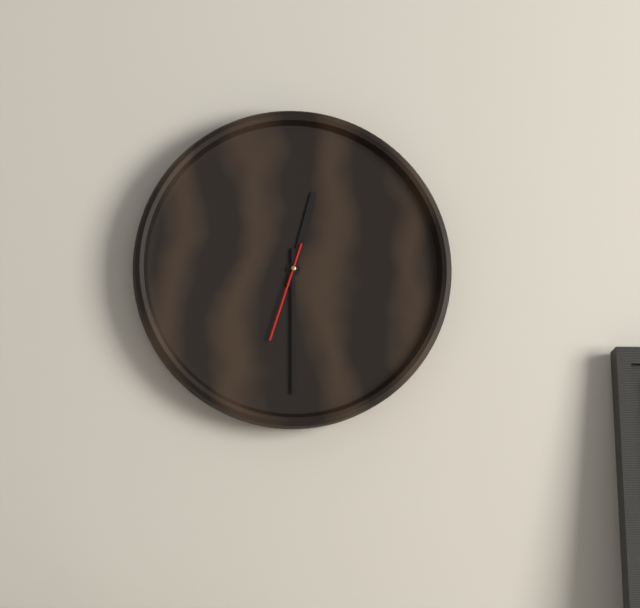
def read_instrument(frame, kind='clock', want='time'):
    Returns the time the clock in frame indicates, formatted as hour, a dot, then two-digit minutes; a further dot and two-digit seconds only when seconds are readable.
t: 12.30.33
